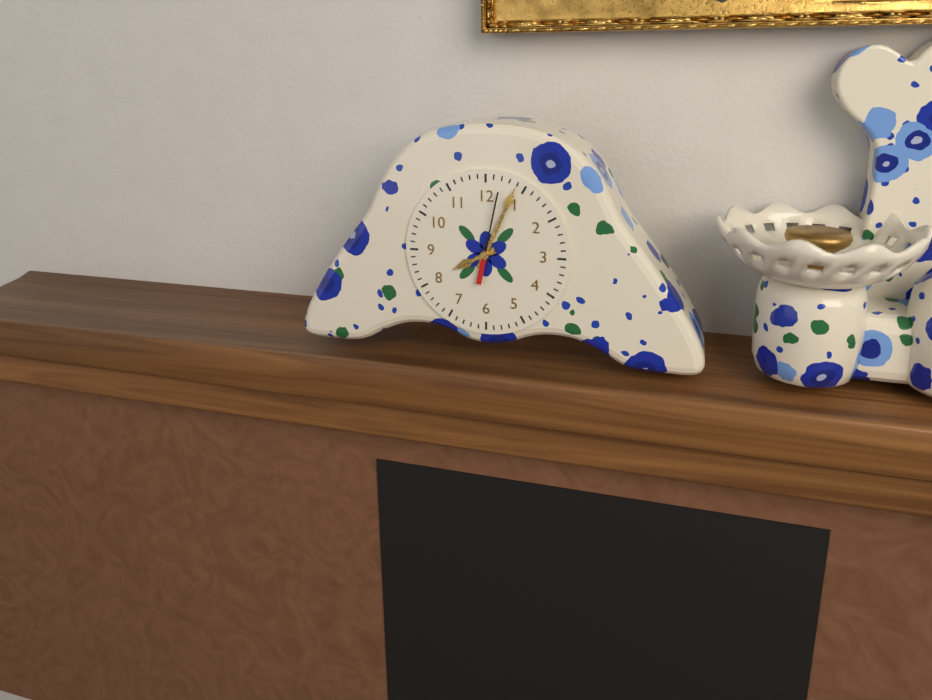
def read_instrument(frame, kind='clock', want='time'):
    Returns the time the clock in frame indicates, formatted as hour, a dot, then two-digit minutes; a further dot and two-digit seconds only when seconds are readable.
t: 8.04.02
